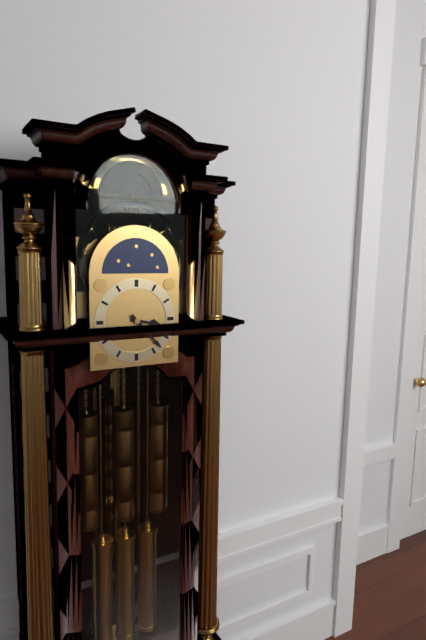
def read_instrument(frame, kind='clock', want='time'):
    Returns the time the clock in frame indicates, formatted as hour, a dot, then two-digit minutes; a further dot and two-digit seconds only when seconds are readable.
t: 3.23
